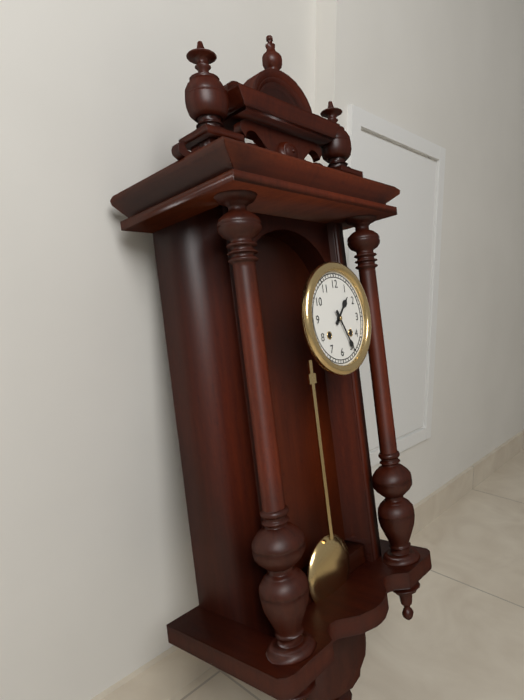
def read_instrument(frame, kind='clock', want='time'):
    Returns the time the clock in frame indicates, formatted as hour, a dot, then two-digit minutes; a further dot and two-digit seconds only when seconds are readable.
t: 1.25
